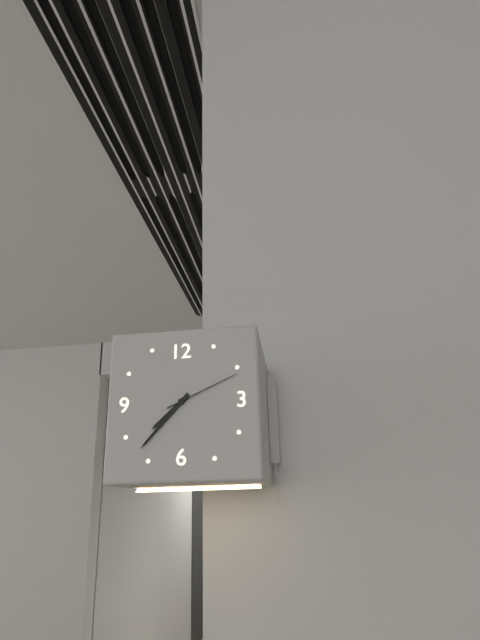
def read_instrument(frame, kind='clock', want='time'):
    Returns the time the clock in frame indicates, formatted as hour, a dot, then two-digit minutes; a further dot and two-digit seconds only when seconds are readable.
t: 7.37.11
